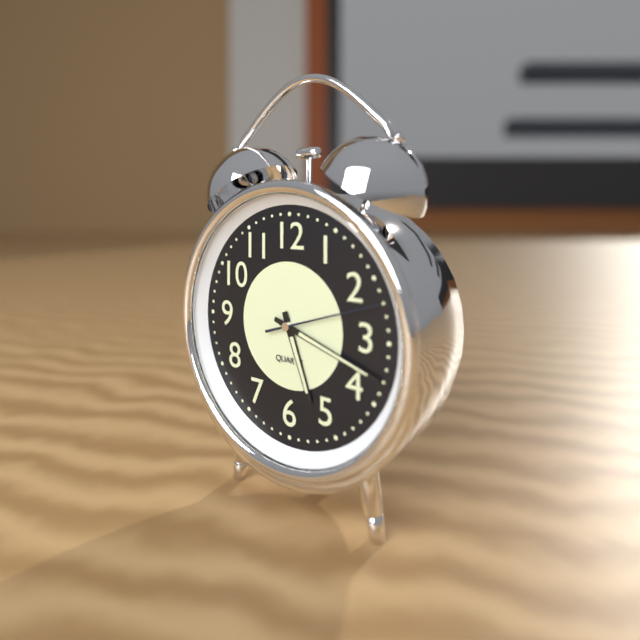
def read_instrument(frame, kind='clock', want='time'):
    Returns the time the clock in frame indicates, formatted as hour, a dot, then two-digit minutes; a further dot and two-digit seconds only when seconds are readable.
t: 5.18.12
